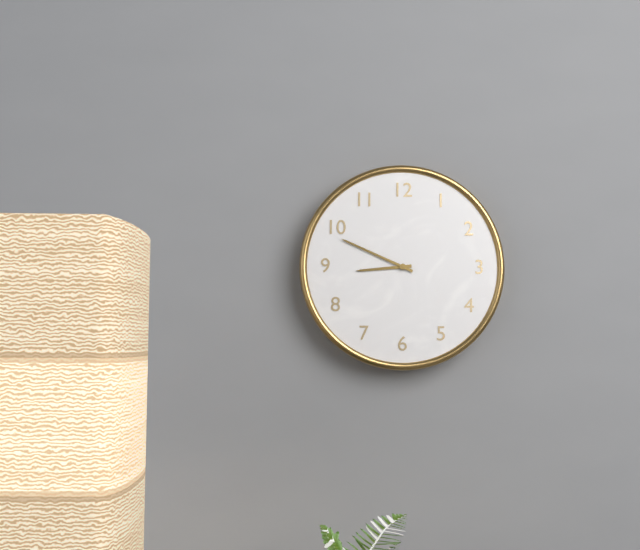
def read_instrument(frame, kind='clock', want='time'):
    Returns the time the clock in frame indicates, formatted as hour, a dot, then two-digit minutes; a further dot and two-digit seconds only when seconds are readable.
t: 8.49
